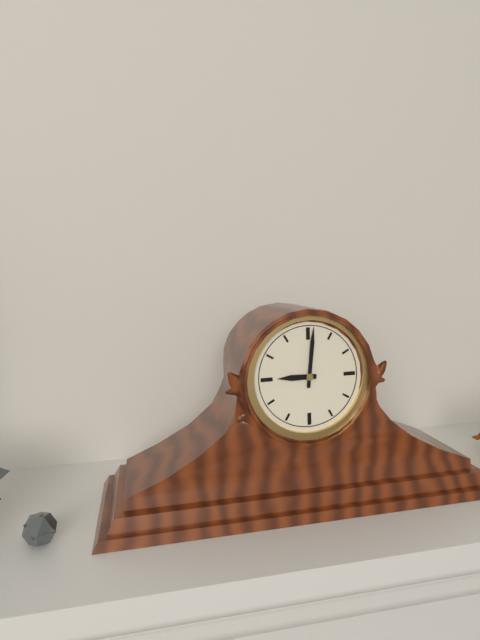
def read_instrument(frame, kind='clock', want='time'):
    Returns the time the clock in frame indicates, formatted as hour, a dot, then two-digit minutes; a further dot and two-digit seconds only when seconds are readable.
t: 9.01
